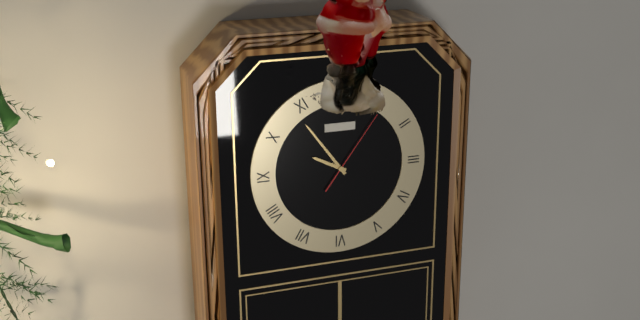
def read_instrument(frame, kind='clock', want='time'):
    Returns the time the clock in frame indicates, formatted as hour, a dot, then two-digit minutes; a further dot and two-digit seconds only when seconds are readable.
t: 9.54.06
